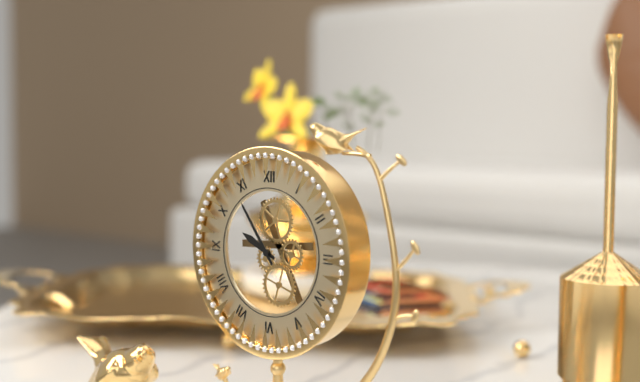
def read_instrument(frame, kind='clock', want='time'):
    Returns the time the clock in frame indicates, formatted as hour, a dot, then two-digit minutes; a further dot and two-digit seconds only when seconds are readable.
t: 9.54
